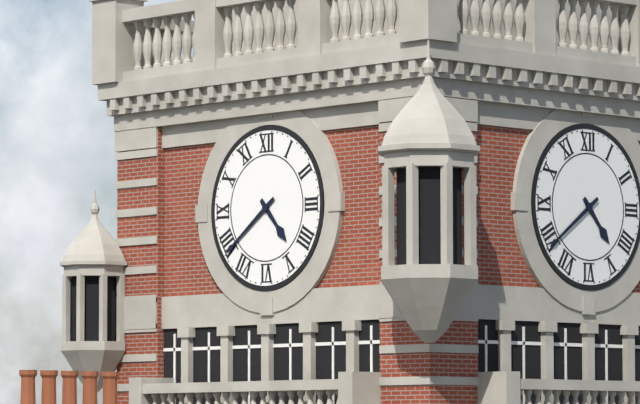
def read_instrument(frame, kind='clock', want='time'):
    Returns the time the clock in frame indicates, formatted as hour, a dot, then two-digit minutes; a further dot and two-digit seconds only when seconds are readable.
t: 4.39
